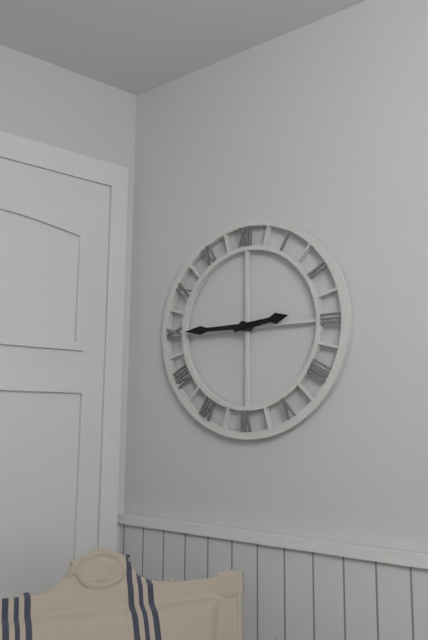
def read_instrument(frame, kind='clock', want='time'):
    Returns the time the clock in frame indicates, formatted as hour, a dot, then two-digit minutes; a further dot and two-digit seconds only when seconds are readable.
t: 2.45
